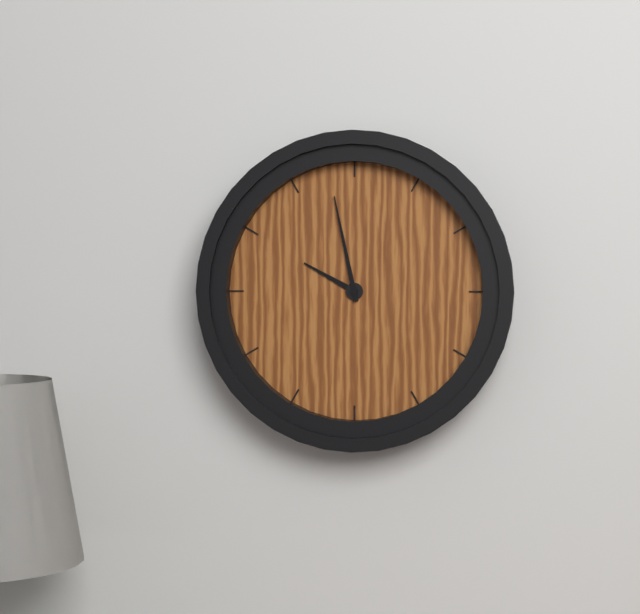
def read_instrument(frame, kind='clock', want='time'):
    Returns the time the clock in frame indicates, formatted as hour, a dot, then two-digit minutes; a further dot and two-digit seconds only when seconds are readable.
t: 9.58
